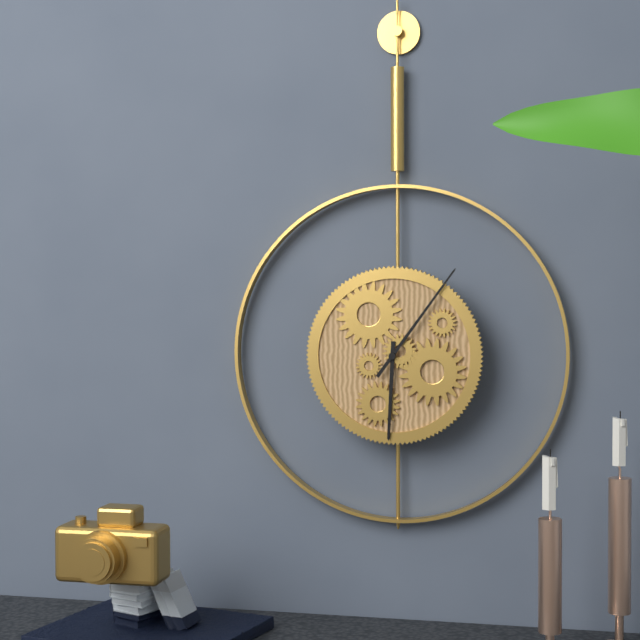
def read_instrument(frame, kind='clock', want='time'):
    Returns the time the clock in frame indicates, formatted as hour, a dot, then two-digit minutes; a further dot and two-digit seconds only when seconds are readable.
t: 6.06
